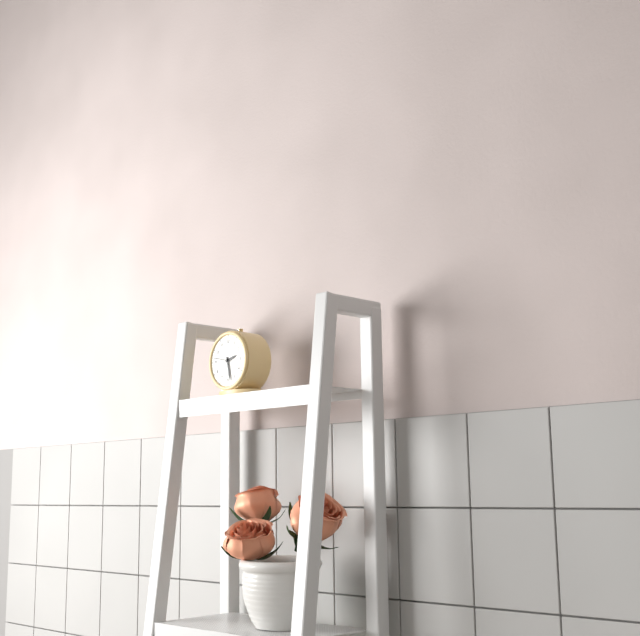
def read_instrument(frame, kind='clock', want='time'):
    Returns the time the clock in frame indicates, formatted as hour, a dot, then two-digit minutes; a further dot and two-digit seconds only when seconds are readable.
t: 2.28
